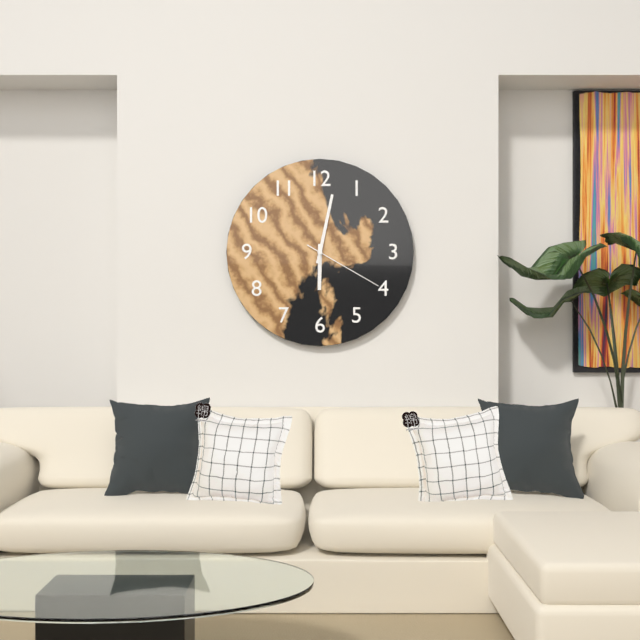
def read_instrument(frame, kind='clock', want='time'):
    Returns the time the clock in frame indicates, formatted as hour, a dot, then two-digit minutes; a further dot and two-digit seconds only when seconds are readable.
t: 6.02.20
